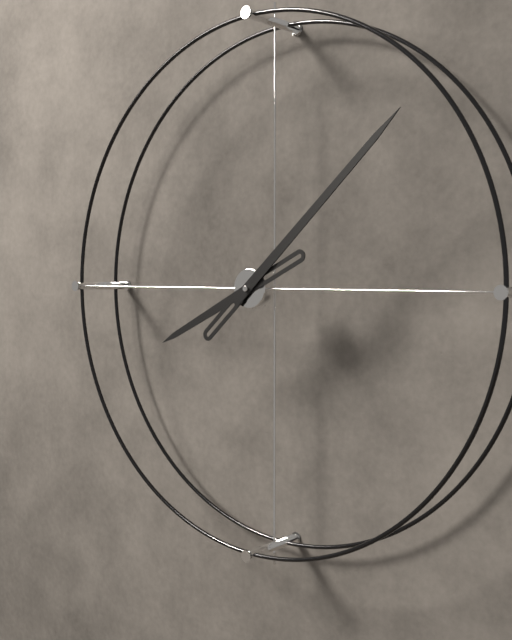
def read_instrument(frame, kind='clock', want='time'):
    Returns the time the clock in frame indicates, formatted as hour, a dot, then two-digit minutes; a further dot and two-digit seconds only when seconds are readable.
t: 8.08
